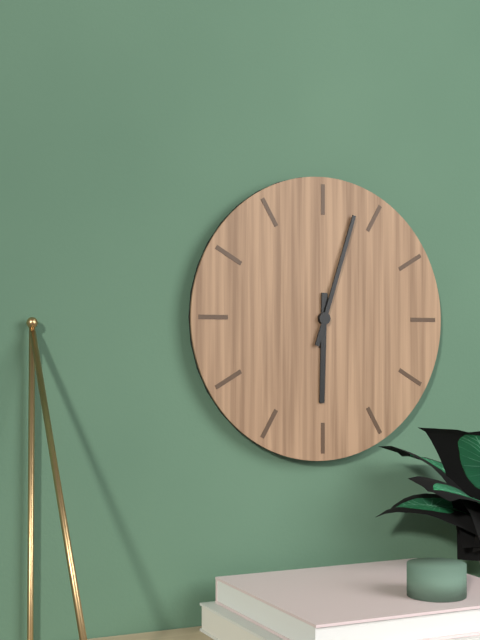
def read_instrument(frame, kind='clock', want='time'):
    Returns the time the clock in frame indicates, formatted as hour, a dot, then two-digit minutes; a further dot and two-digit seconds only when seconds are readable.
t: 6.03
